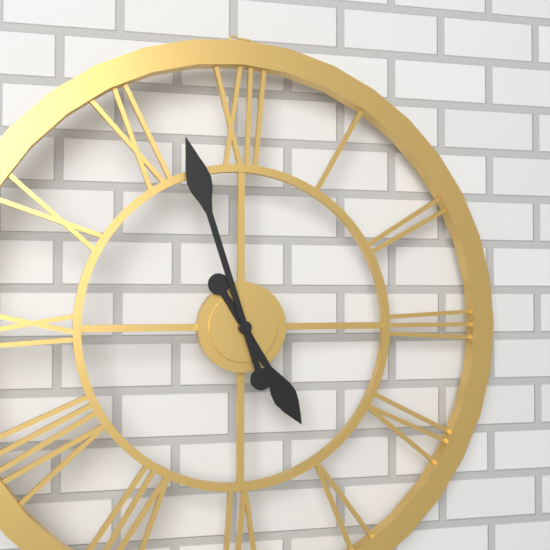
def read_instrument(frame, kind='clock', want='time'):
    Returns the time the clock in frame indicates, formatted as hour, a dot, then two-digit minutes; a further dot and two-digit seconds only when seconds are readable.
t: 4.57
